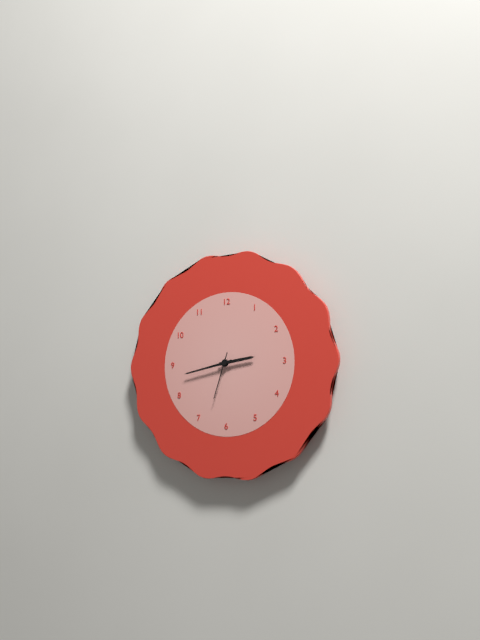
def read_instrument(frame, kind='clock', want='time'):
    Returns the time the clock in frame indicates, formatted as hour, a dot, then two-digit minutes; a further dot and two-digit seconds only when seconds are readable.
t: 2.43
